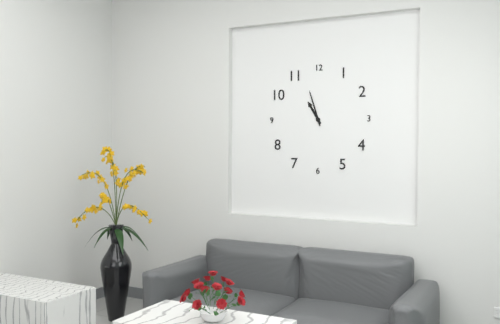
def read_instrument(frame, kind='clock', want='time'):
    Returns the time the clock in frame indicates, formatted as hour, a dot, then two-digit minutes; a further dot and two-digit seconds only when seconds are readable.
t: 10.57
